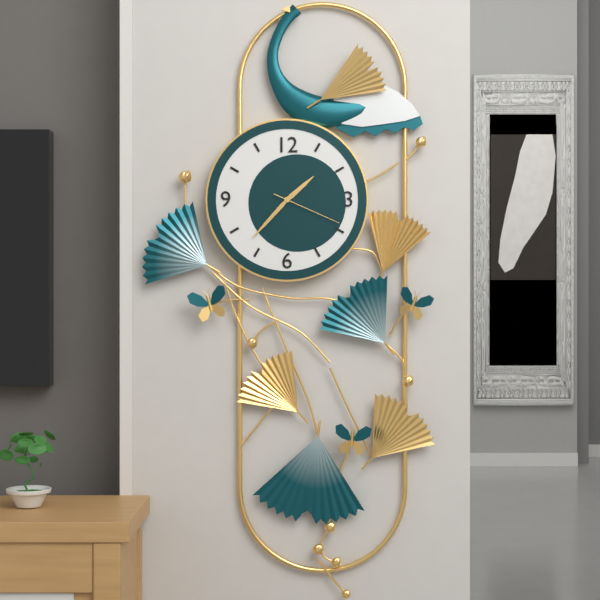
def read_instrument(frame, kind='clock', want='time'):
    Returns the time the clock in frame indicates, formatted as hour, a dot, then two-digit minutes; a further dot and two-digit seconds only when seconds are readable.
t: 1.37.19
